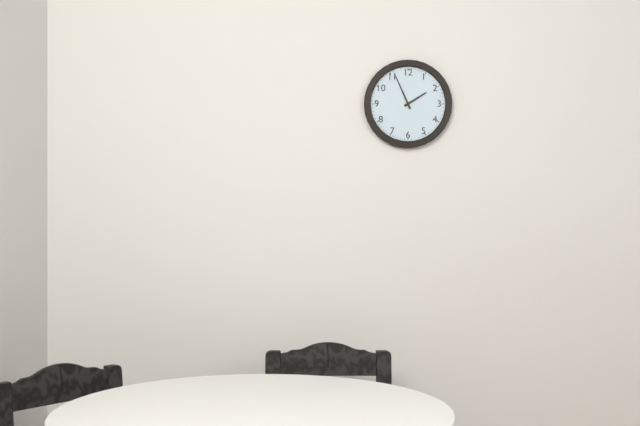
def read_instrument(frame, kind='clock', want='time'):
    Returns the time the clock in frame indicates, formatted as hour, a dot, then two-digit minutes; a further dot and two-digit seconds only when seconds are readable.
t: 1.56
